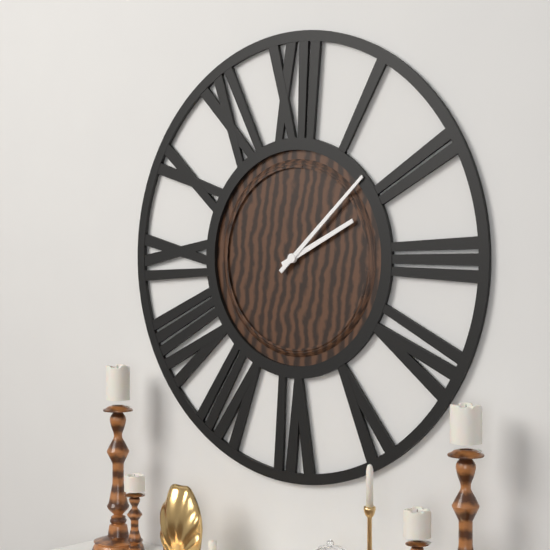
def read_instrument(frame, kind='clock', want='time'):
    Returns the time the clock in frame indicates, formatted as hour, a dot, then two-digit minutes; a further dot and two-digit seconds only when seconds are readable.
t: 2.08
